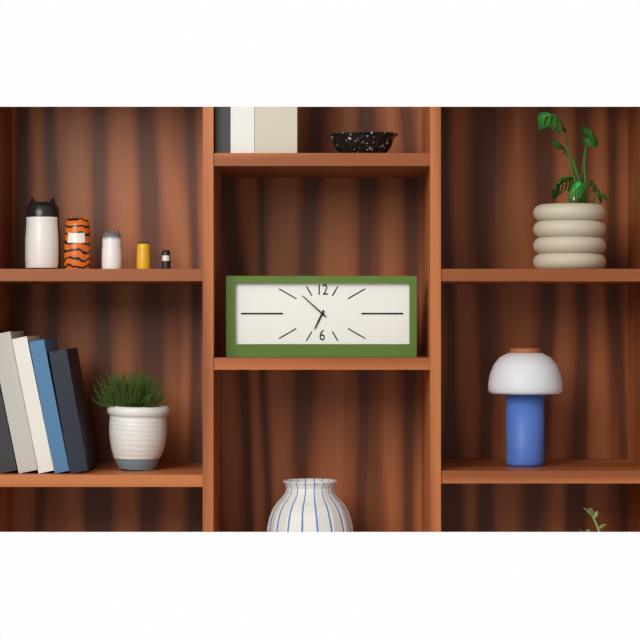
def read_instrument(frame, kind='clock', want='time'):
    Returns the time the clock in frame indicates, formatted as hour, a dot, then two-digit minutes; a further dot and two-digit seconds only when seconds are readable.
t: 6.52
